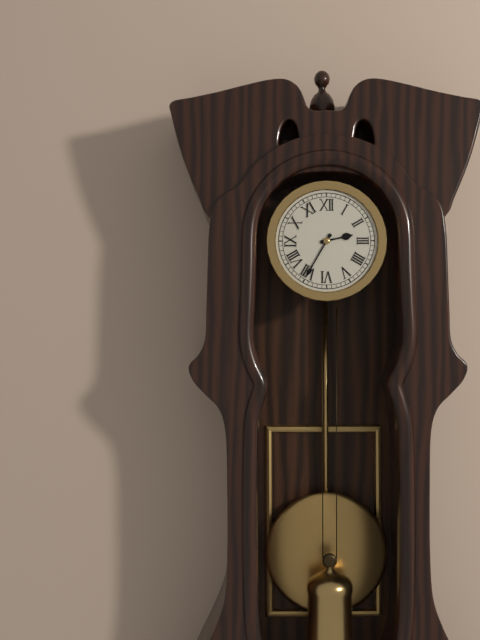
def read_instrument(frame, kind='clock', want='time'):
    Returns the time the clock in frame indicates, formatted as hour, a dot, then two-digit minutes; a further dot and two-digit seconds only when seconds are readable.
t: 2.35
